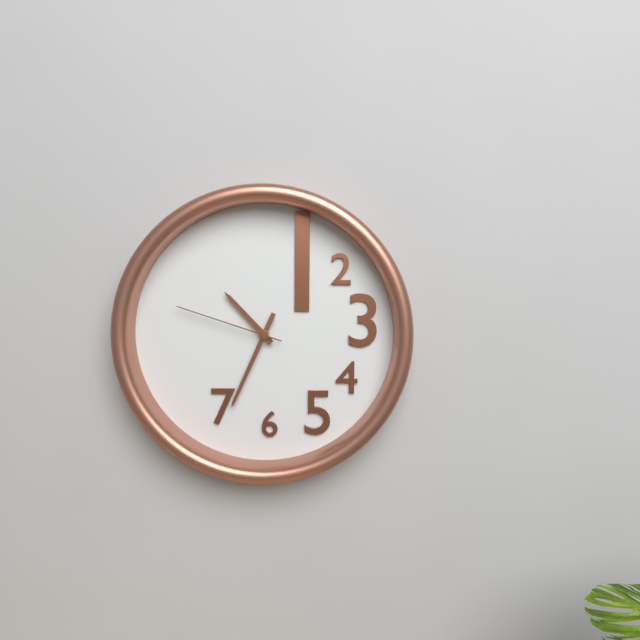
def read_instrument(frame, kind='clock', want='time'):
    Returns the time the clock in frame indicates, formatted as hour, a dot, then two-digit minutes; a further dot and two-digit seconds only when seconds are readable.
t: 10.34.48
